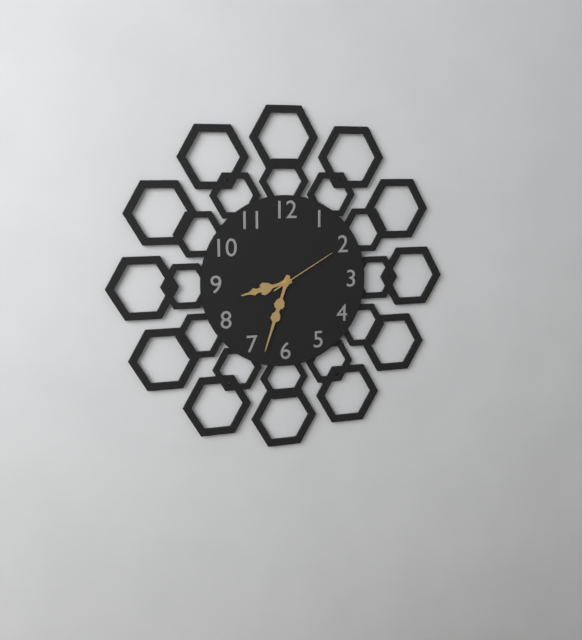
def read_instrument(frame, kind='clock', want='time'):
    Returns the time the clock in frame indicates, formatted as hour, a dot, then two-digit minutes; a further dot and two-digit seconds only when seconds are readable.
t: 8.33.10
